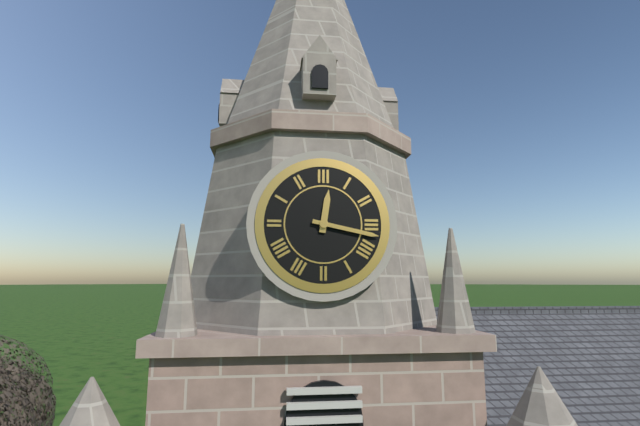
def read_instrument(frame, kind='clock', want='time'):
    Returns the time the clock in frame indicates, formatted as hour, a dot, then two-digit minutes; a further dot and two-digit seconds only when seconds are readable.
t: 12.17
